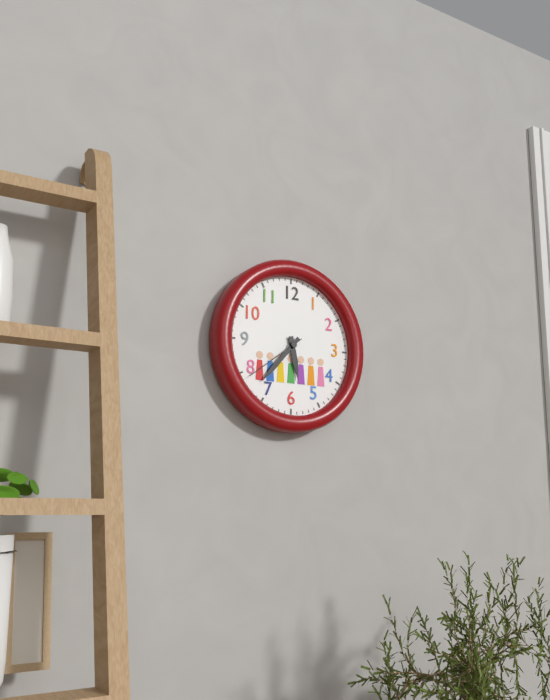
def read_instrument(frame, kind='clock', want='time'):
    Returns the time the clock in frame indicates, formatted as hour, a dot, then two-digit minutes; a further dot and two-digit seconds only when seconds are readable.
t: 5.37.39
